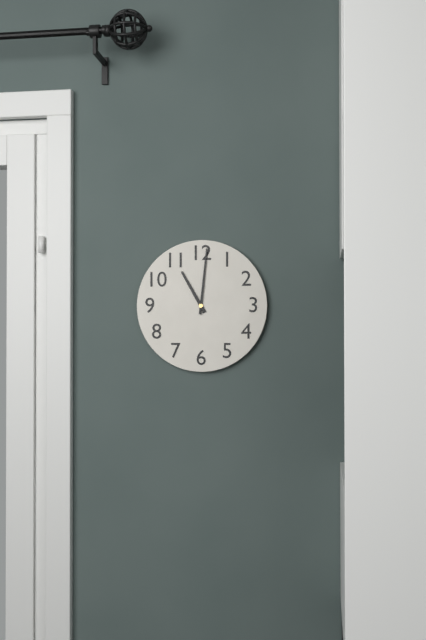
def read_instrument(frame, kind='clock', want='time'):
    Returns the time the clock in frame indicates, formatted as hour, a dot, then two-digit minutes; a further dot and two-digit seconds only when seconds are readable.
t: 11.01
